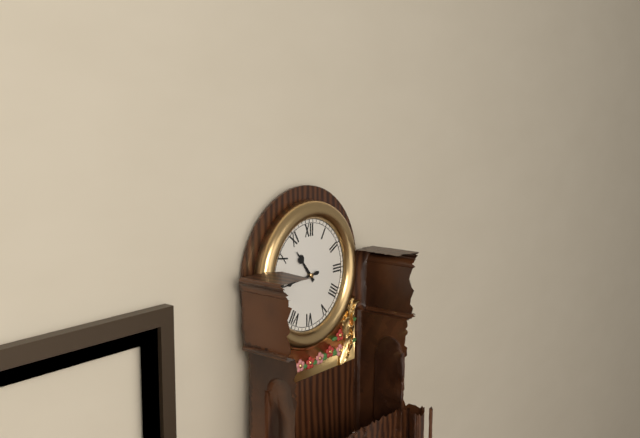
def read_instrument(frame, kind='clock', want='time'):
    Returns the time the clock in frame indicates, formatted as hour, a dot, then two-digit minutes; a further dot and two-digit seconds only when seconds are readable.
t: 10.44
